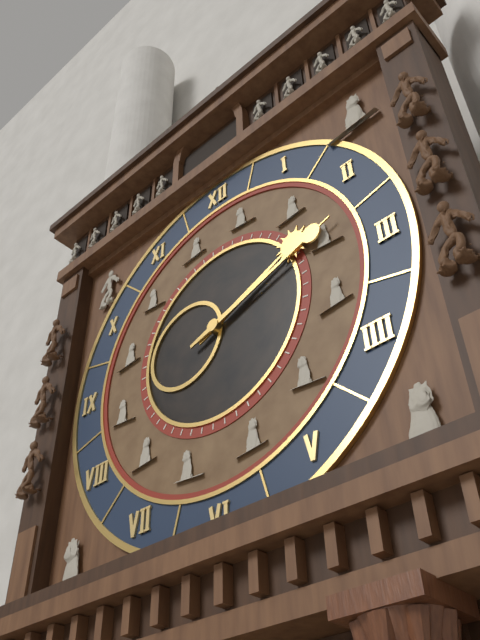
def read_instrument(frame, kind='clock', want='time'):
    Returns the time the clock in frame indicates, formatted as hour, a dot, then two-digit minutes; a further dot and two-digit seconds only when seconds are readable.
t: 2.12
